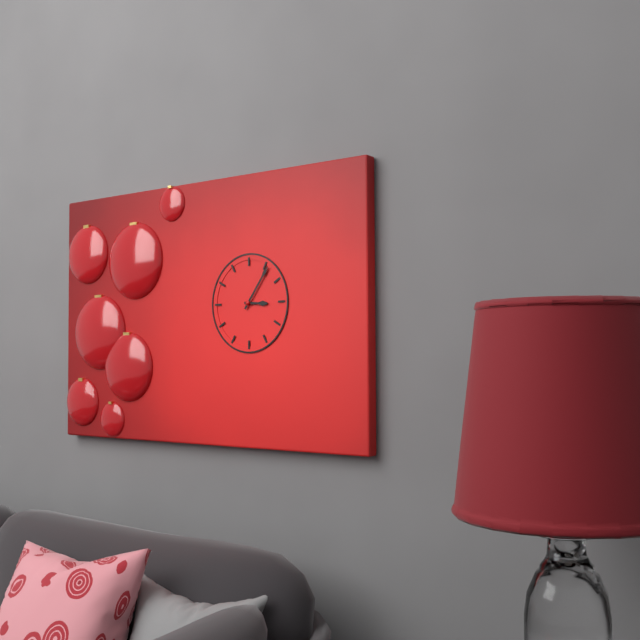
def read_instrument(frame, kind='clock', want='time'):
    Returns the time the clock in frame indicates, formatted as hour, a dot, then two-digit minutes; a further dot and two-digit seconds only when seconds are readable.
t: 3.06
